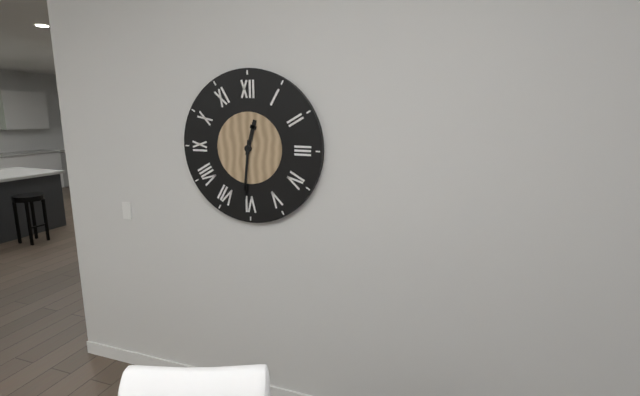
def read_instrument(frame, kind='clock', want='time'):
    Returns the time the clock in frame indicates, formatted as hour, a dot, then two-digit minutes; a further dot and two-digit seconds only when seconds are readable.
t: 12.31
